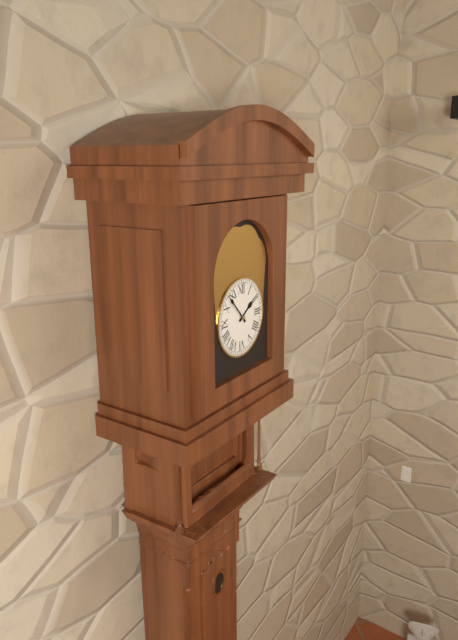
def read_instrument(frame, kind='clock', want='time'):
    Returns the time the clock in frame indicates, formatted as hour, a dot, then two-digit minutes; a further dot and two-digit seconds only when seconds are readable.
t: 1.53
